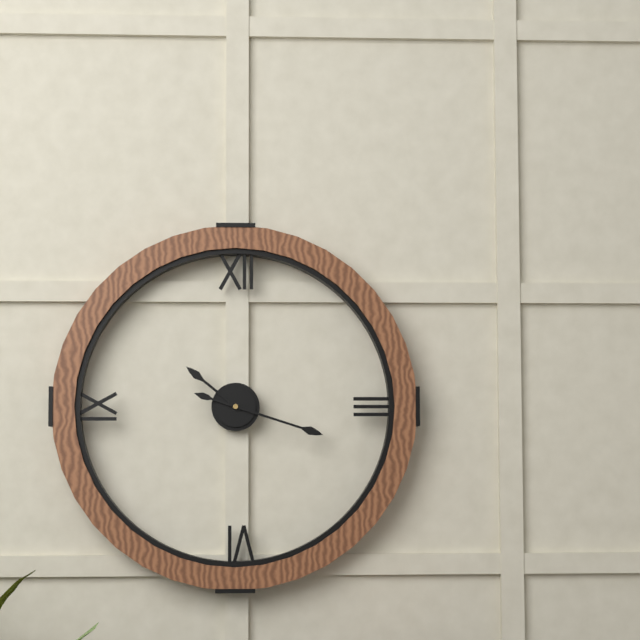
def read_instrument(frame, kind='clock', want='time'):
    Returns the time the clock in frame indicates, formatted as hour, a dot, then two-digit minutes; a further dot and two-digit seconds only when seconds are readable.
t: 10.18
